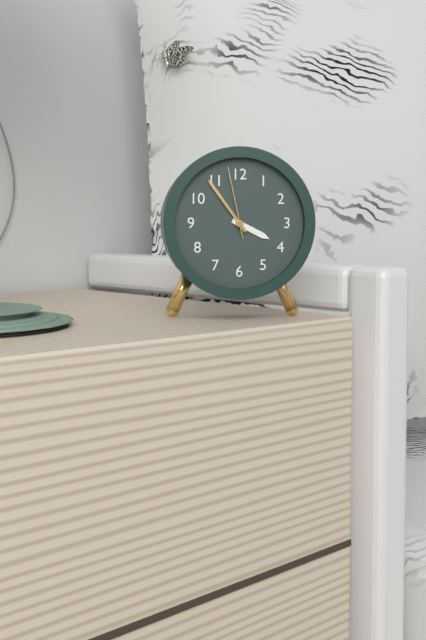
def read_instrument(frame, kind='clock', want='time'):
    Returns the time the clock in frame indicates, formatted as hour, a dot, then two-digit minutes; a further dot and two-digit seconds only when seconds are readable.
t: 3.54.58
